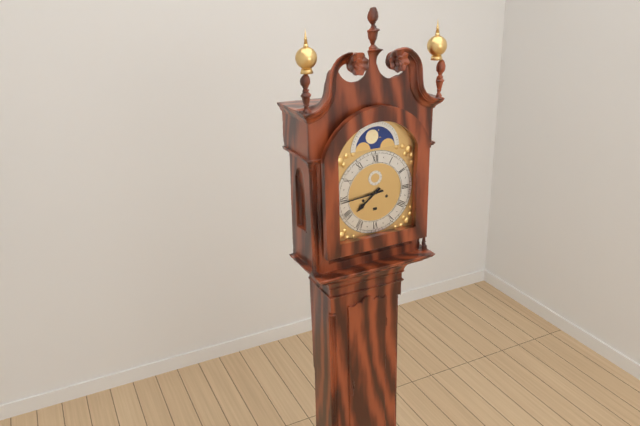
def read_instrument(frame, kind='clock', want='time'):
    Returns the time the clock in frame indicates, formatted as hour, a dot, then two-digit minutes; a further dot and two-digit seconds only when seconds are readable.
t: 7.44
